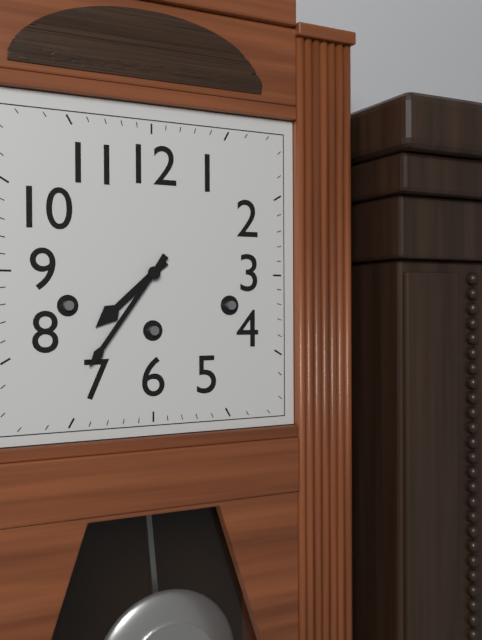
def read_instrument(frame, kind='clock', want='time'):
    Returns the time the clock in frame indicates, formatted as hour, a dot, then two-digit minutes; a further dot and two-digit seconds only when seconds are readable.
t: 7.36
